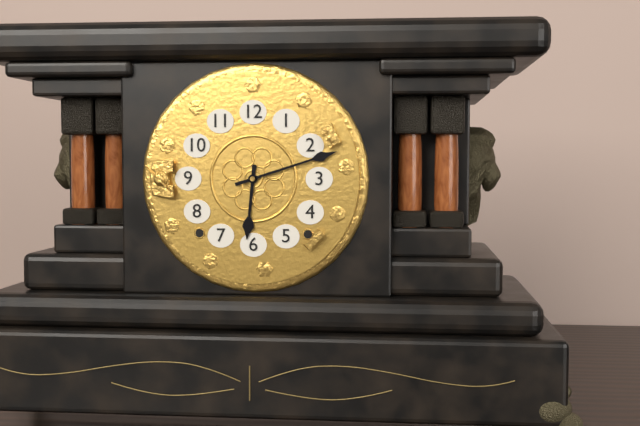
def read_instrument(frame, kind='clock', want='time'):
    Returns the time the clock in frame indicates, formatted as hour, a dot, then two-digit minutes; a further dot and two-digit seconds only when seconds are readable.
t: 6.12
